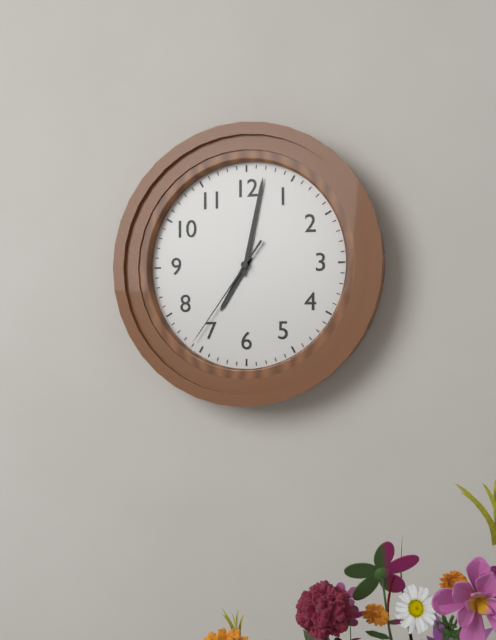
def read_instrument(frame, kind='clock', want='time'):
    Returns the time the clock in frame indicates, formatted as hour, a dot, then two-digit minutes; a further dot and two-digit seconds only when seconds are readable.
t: 7.02.36
